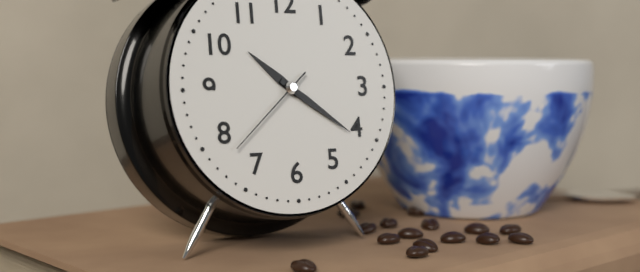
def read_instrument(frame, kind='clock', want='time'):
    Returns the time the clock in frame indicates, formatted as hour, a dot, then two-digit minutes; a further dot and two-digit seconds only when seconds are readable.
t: 10.21.38
